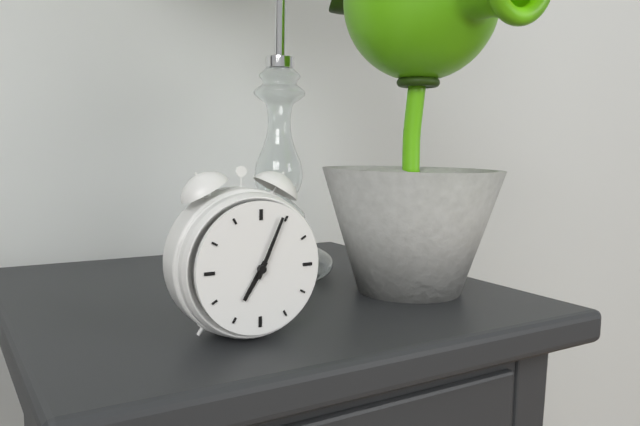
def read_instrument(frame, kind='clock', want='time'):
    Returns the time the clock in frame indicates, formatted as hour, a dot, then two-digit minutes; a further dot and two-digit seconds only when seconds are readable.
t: 7.04
